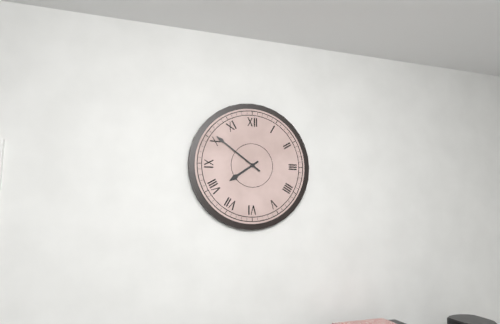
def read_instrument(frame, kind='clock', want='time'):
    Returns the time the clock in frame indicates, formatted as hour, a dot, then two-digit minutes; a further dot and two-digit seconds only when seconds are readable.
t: 7.51
